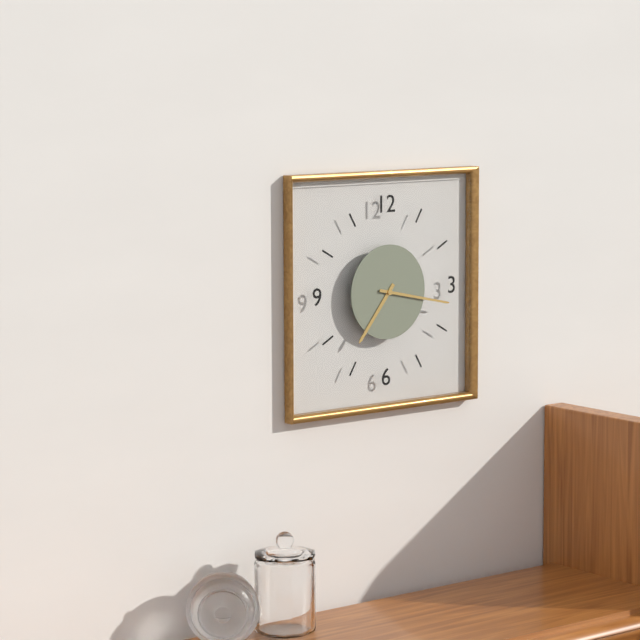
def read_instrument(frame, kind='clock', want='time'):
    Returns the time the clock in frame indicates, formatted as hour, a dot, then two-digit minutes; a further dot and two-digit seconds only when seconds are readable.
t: 7.17
